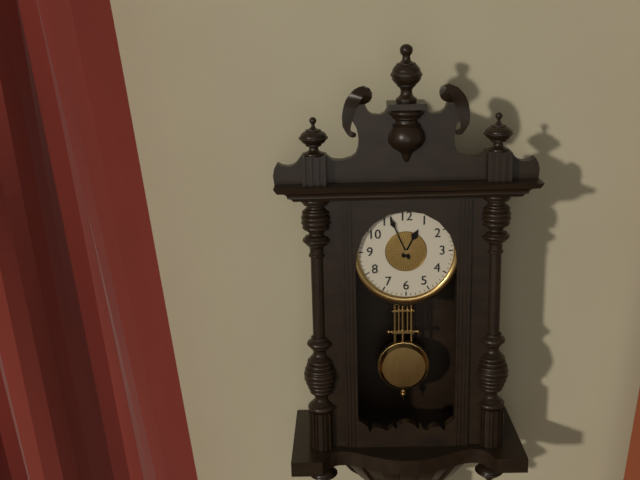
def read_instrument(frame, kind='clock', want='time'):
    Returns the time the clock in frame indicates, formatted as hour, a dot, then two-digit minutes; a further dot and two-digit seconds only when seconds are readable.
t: 12.56
